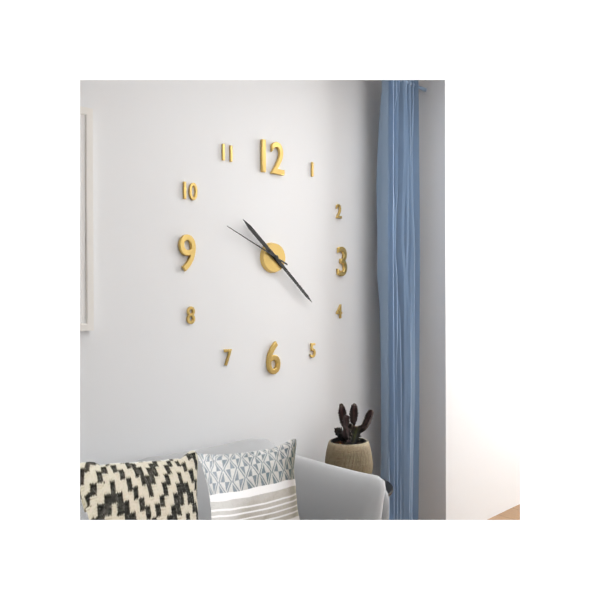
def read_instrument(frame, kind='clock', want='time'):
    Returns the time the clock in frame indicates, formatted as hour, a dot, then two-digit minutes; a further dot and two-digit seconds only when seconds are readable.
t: 10.22.49
